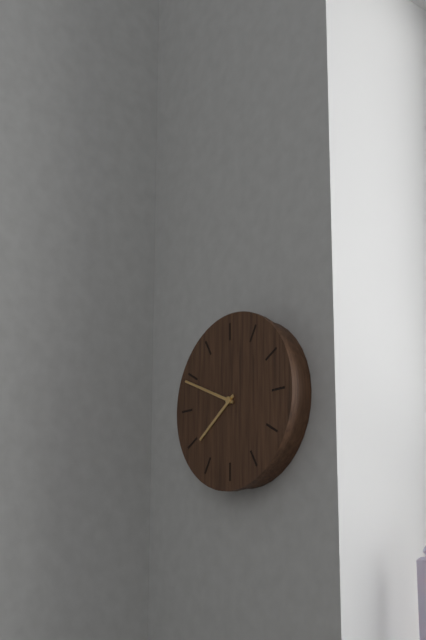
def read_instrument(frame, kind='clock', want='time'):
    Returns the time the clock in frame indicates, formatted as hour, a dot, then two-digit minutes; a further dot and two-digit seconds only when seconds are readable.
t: 7.49
